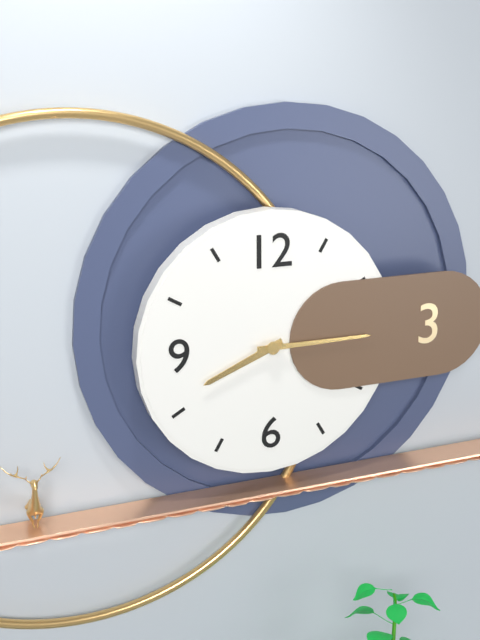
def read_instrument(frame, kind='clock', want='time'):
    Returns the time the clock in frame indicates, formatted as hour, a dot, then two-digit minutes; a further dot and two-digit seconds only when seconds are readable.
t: 8.15
